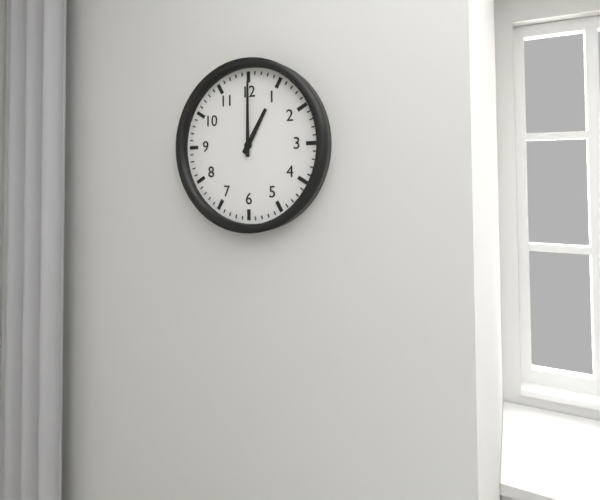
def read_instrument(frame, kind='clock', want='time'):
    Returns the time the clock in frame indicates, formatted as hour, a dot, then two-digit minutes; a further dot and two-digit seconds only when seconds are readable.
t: 1.00
